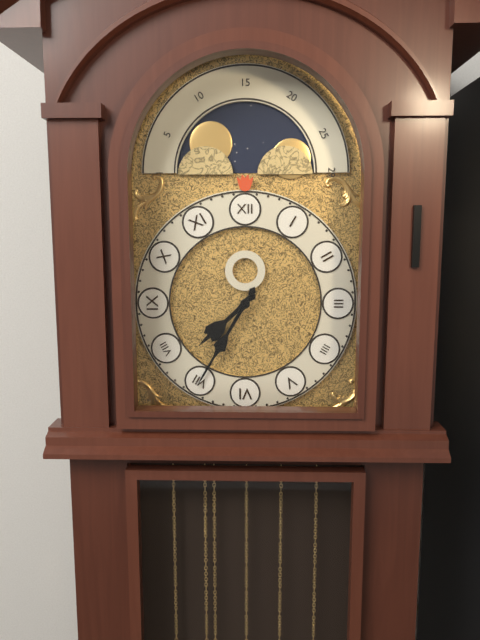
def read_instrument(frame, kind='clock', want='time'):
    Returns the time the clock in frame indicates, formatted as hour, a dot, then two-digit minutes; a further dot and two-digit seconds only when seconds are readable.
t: 7.35
